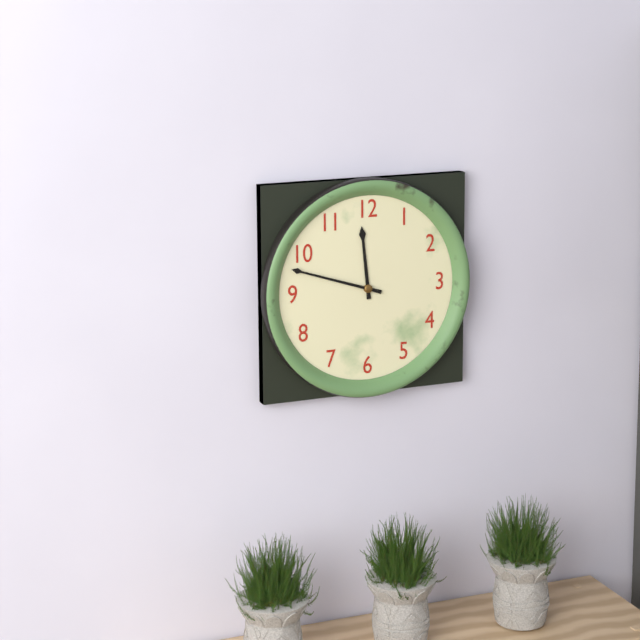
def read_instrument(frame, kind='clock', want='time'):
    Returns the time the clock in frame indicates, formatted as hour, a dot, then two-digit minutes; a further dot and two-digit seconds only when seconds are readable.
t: 11.48
